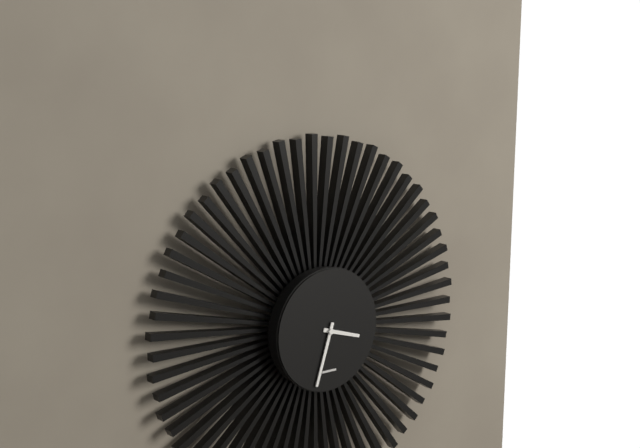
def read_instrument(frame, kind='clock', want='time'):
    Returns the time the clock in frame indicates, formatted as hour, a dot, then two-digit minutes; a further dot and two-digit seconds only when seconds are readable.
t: 3.33
